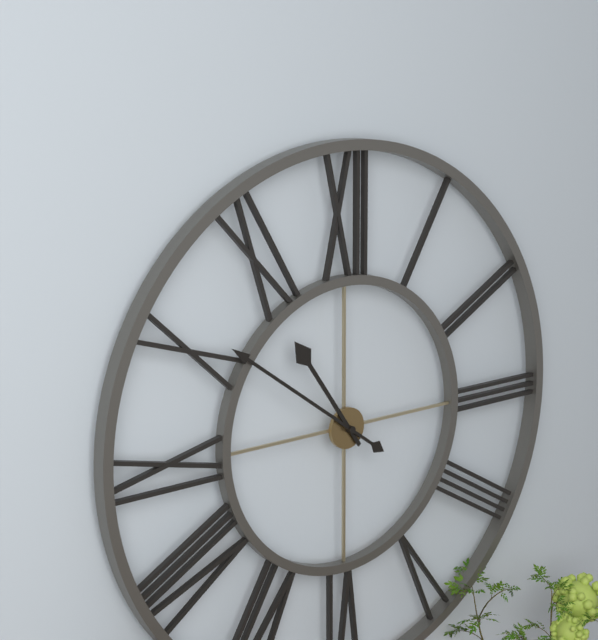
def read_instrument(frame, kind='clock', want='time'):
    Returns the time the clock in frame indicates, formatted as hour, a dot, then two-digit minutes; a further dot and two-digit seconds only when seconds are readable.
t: 10.51
